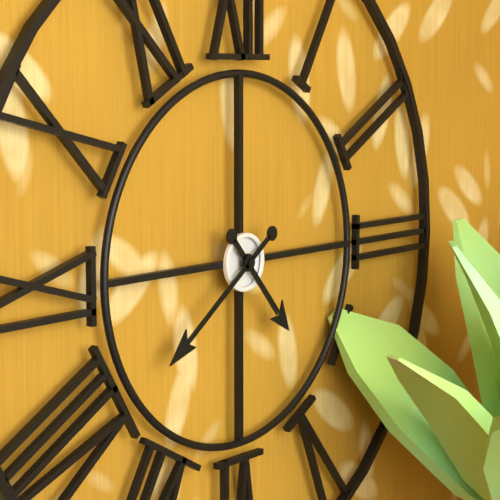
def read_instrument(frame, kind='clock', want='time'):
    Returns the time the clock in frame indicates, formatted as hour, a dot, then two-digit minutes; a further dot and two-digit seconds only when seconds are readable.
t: 4.39
